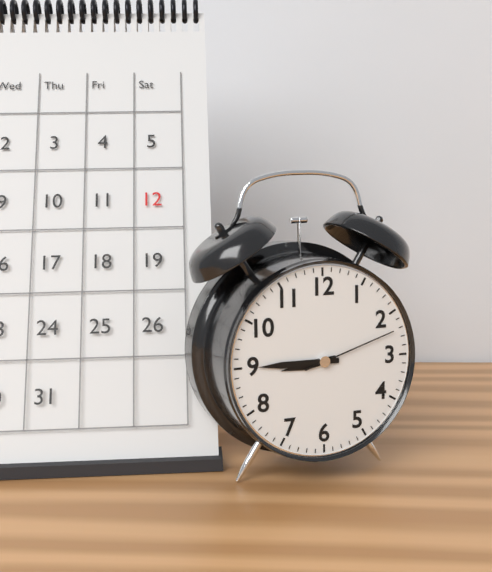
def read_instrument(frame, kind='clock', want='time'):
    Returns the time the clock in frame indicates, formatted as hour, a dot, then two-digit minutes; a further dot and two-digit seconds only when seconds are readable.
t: 8.45.12
